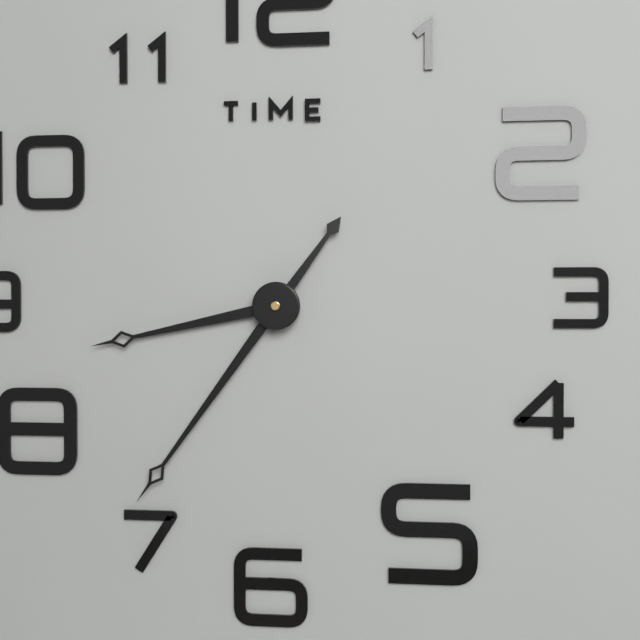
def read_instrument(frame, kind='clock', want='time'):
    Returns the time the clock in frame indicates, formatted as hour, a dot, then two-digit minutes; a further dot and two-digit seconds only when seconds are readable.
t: 8.36
